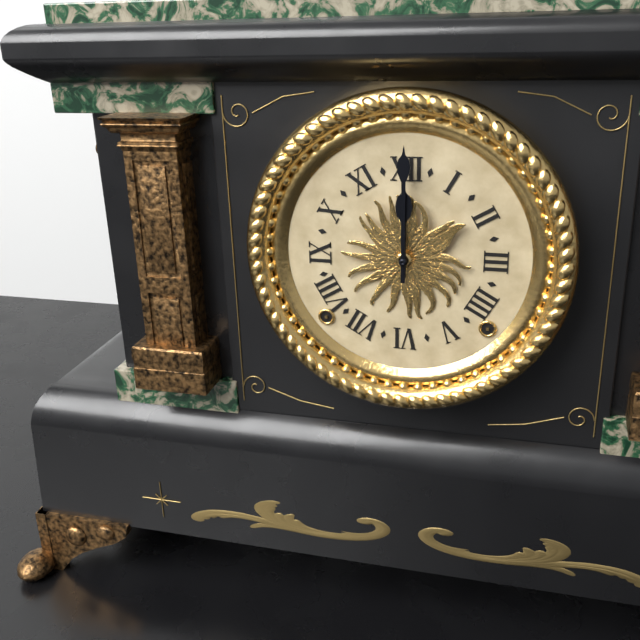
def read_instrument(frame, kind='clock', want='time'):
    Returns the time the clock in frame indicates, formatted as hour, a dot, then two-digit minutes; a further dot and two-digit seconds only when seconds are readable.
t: 12.00
